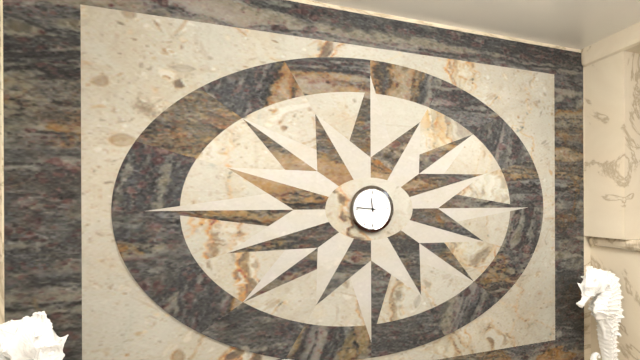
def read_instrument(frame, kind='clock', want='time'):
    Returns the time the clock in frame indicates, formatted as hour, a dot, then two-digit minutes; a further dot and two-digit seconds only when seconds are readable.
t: 11.46
